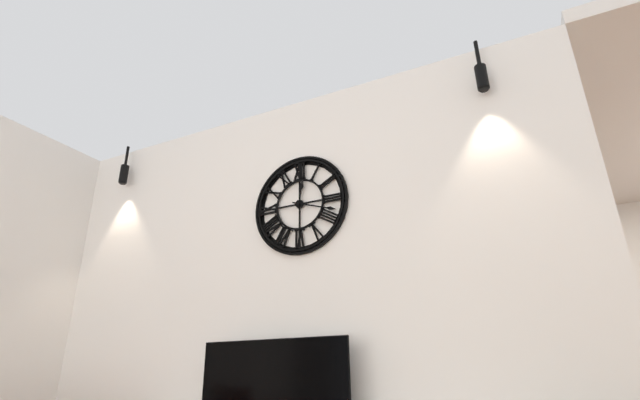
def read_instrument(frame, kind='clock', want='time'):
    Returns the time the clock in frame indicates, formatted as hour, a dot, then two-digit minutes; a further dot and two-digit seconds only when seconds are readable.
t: 12.18
